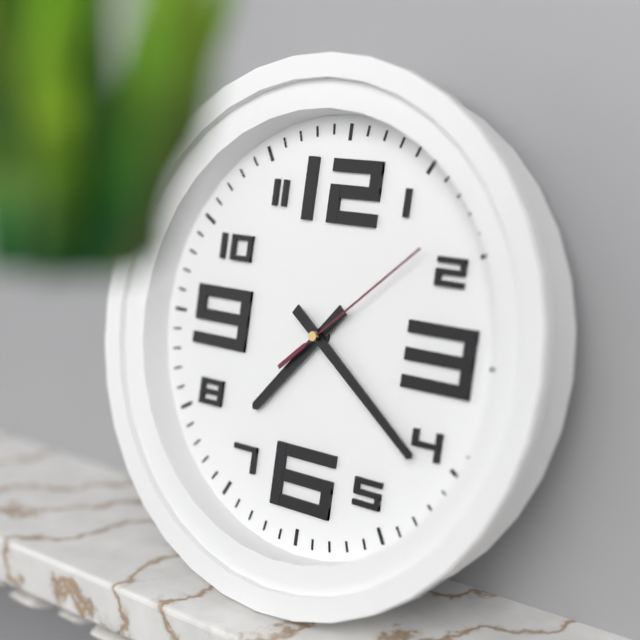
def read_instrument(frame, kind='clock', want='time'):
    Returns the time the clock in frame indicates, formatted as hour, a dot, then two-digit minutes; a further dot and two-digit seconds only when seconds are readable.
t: 7.21.08
